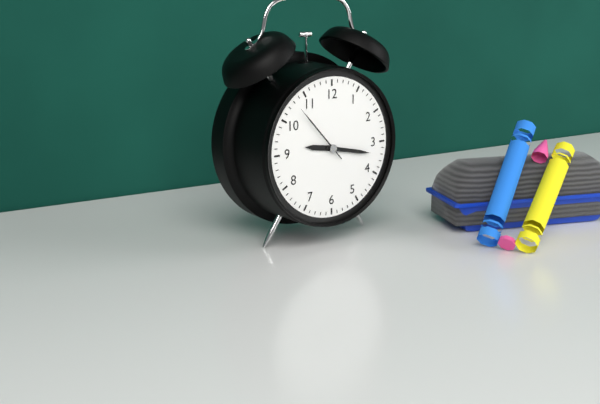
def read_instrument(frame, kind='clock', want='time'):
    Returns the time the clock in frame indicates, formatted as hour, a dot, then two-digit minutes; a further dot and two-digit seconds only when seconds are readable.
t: 9.17.53
